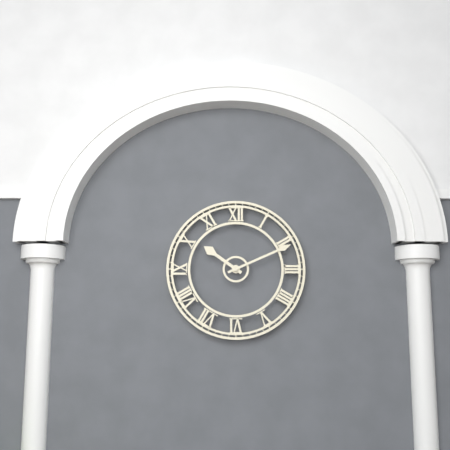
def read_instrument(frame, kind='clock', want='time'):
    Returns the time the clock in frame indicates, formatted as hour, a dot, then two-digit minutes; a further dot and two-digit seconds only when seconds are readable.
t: 10.11
